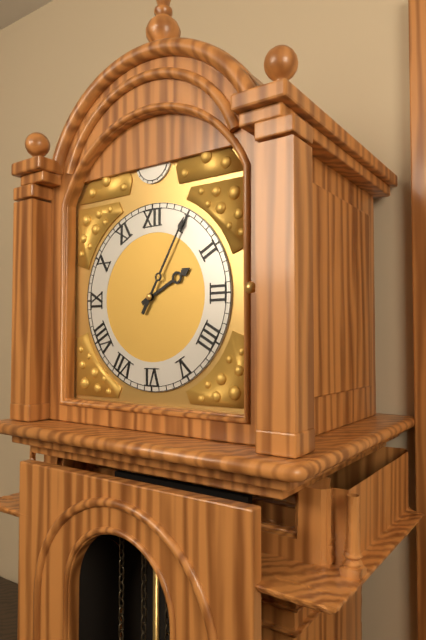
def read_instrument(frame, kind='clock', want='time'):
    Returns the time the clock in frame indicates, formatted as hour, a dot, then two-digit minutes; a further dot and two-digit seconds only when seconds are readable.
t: 2.05
